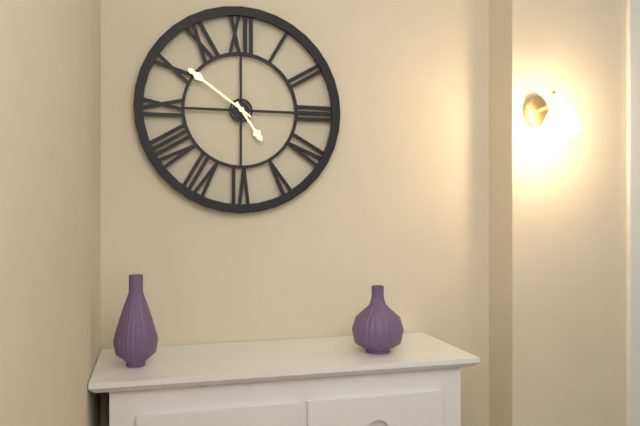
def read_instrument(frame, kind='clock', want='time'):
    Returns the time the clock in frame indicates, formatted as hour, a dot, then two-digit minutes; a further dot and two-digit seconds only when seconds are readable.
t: 4.51
